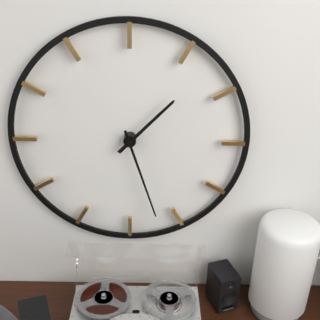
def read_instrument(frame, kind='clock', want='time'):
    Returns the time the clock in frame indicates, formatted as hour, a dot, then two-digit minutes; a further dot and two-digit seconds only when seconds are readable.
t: 1.27
